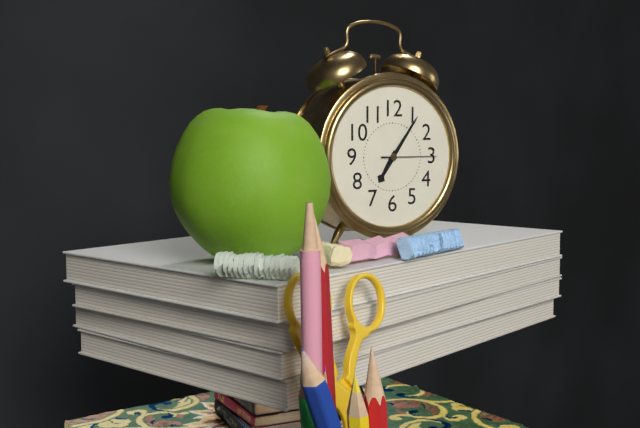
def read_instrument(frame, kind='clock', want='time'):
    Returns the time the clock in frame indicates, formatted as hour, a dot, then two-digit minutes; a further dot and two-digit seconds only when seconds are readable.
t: 7.06.15
